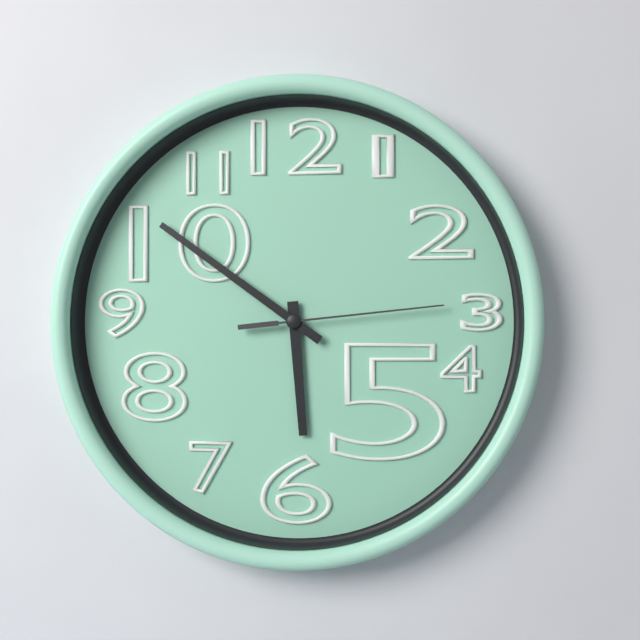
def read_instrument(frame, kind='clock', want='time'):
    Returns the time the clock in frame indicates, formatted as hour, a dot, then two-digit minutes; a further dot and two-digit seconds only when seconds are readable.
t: 5.51.14
